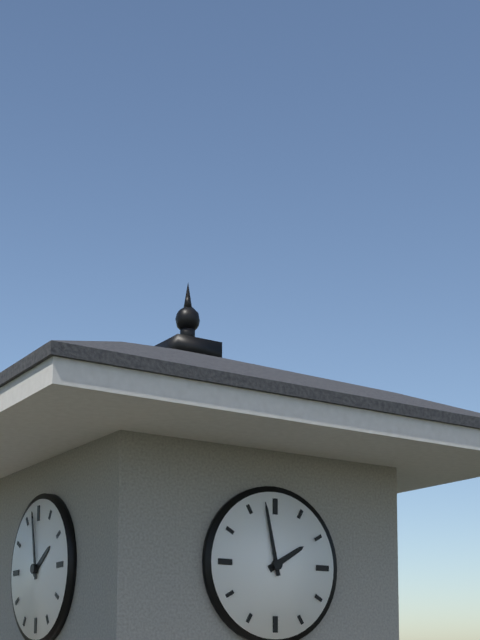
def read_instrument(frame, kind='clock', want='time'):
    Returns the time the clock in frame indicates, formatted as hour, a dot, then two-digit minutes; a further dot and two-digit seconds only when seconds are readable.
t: 1.58
